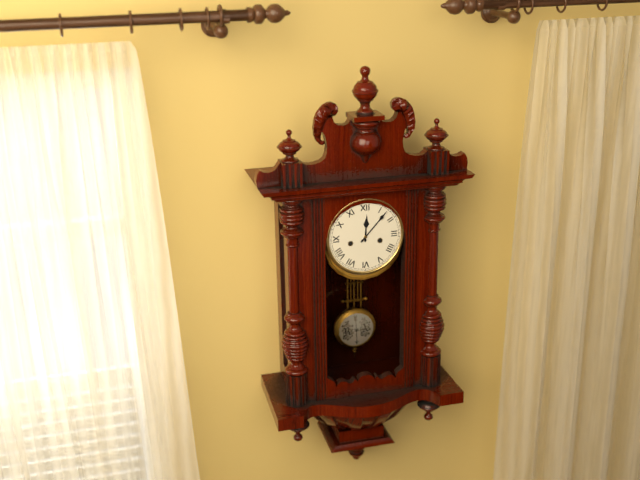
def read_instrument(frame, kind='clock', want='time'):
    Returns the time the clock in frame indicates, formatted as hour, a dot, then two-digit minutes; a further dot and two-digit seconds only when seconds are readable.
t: 12.07
